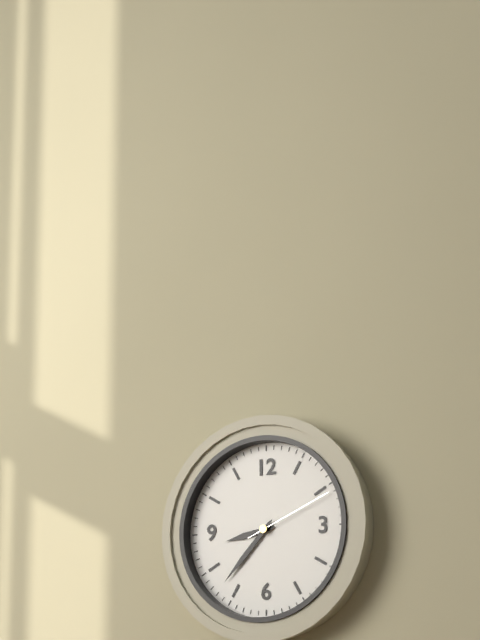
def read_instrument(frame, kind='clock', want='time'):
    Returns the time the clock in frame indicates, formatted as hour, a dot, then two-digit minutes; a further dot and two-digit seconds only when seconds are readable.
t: 8.37.11
